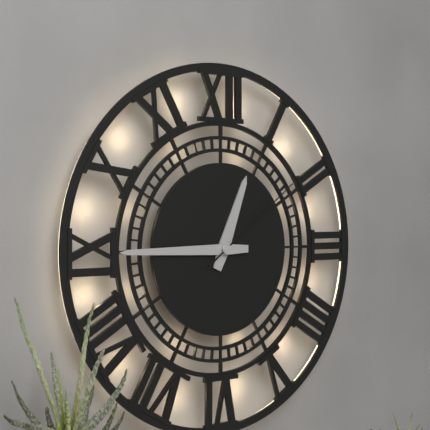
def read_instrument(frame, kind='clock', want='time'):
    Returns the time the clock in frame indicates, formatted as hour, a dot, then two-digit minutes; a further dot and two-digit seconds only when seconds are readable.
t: 12.45.09
